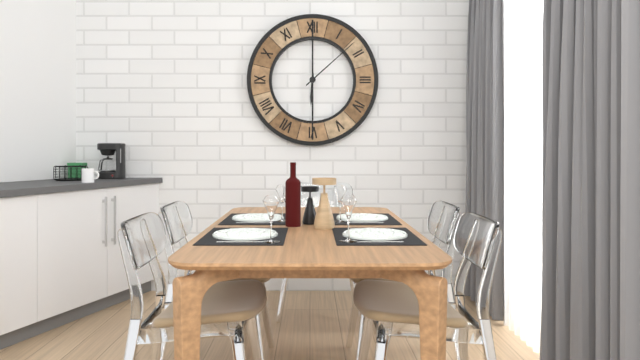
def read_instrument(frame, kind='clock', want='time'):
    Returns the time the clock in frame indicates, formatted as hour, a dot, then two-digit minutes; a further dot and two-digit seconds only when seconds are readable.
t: 6.08
